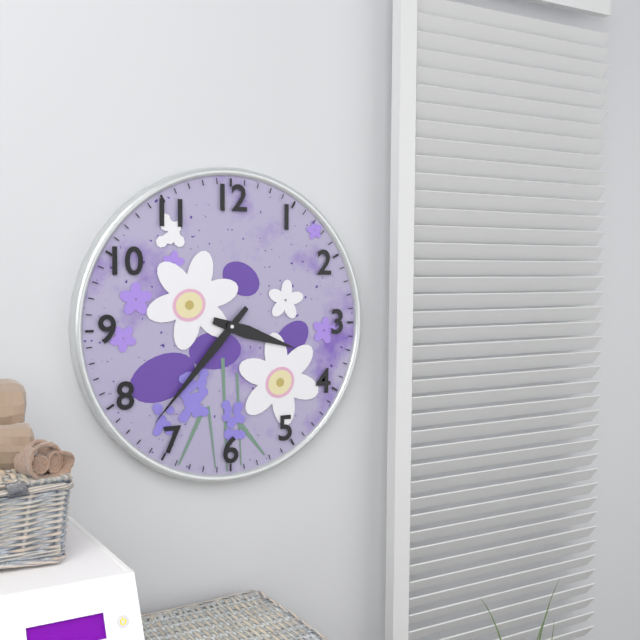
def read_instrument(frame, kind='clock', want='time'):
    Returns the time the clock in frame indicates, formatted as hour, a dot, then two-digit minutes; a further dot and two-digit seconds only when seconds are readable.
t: 3.37
